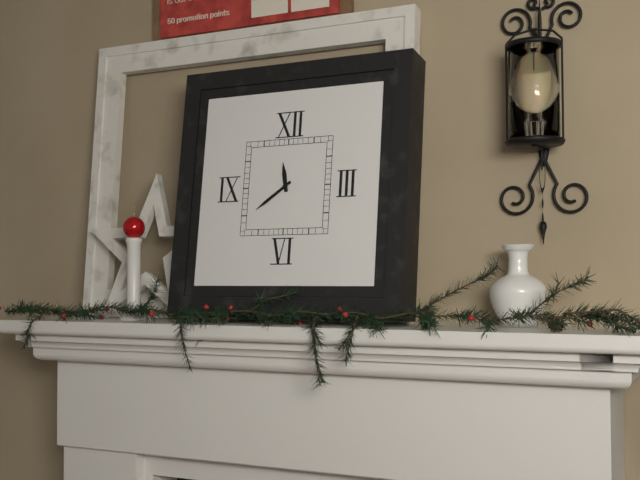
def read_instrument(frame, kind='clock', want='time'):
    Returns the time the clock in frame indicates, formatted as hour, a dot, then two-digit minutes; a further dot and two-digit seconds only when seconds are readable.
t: 11.39
